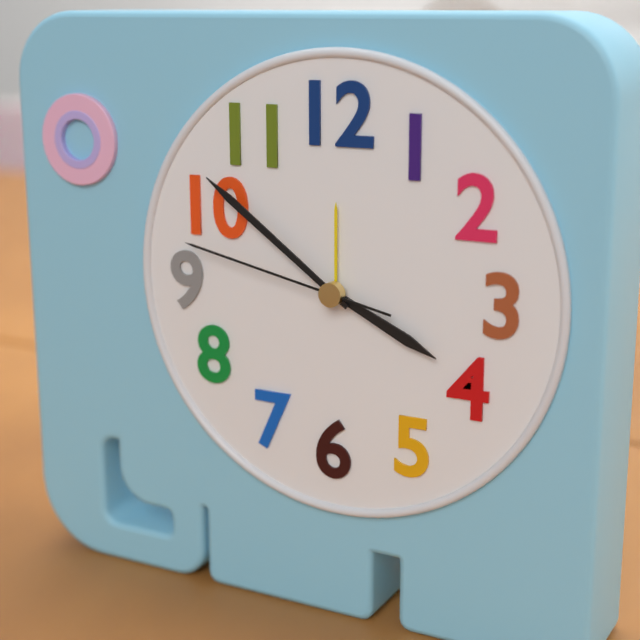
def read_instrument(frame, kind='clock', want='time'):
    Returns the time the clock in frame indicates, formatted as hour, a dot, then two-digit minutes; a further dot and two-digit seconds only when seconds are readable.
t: 3.51.47
